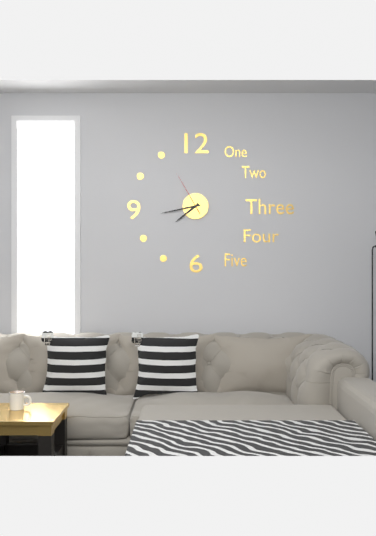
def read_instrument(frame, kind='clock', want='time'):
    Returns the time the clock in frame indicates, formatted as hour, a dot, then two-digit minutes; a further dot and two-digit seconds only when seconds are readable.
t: 7.43
